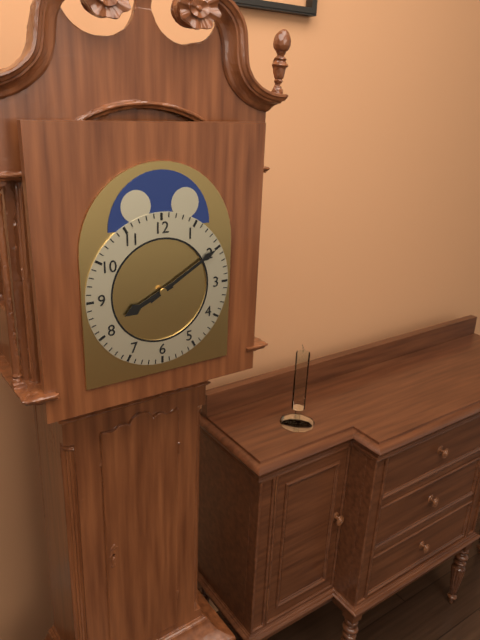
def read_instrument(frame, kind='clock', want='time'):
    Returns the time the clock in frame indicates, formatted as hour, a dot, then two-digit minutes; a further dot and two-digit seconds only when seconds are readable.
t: 8.10
